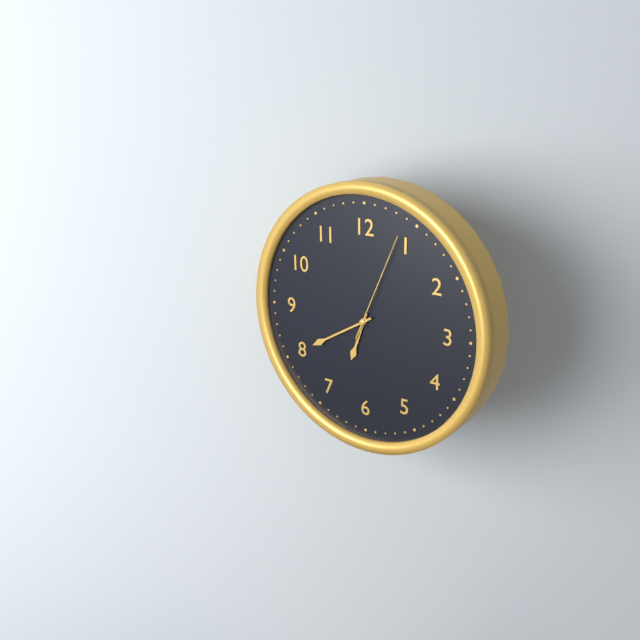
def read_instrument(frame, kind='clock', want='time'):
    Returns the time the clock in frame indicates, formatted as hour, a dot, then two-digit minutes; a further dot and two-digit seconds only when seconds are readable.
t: 6.40.04
